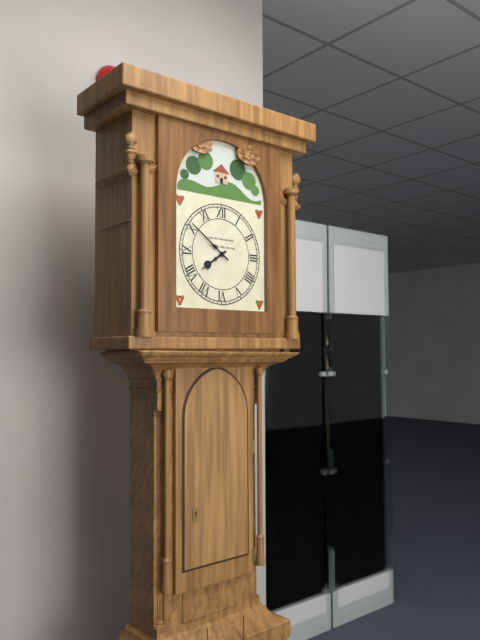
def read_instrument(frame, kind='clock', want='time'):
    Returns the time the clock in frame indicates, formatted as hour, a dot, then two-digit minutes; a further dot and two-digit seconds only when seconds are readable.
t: 7.51
